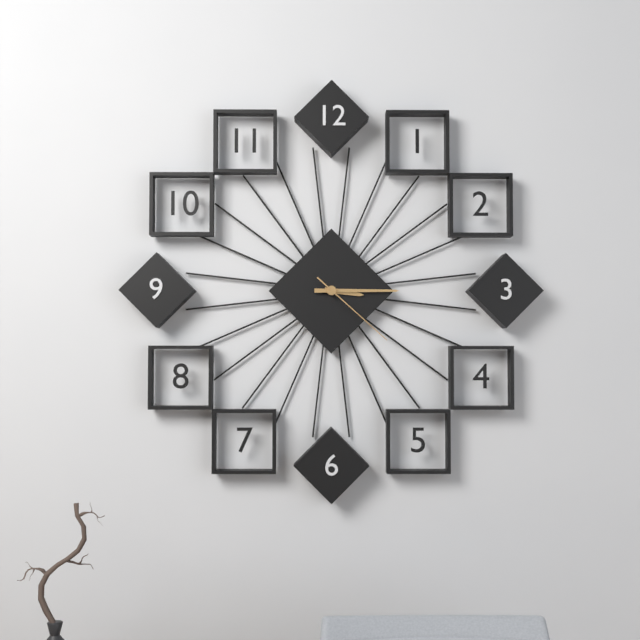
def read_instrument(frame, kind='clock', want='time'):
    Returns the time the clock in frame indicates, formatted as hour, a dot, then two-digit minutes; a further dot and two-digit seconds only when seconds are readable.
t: 3.15.22
